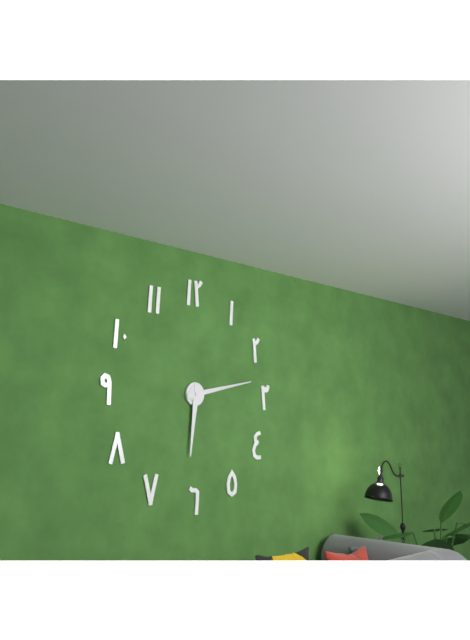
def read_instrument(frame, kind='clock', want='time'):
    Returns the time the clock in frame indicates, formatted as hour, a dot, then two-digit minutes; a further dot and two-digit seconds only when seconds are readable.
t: 6.13
